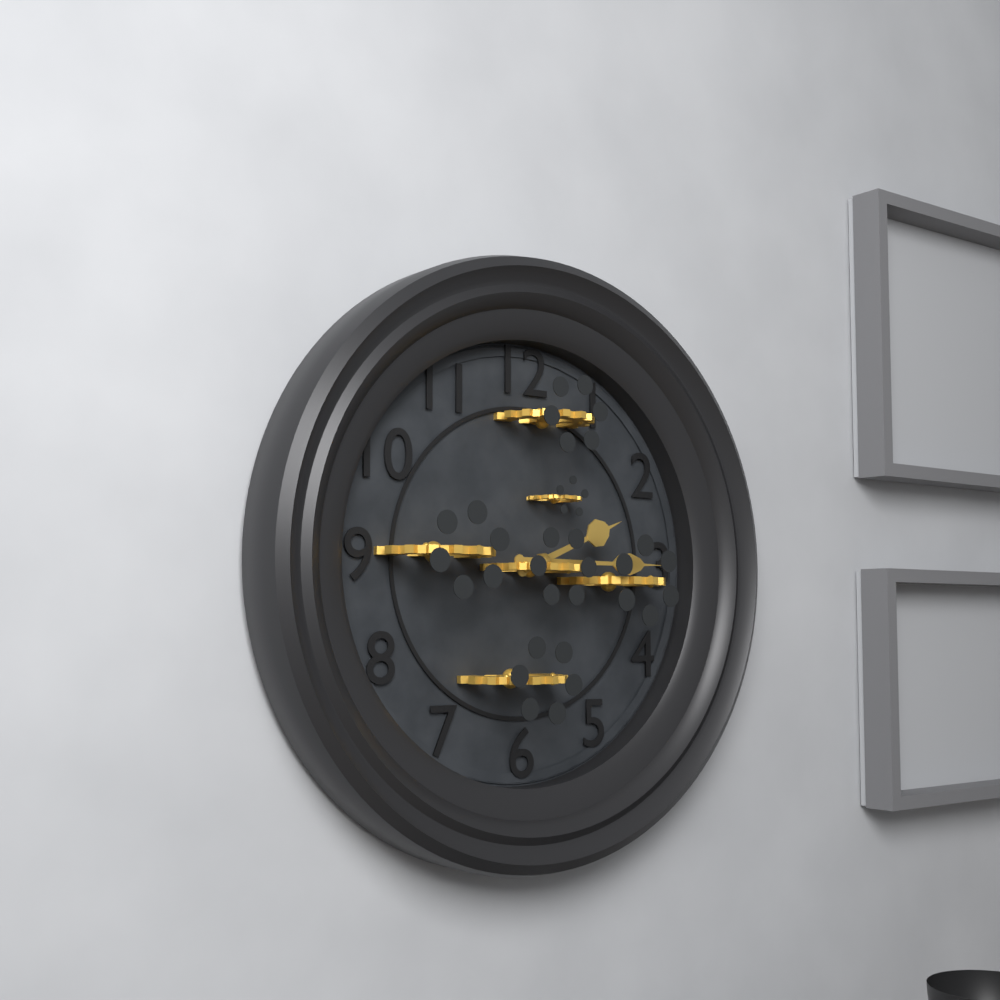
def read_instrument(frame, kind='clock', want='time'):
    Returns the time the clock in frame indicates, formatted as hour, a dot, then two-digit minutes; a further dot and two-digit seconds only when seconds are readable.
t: 2.15
